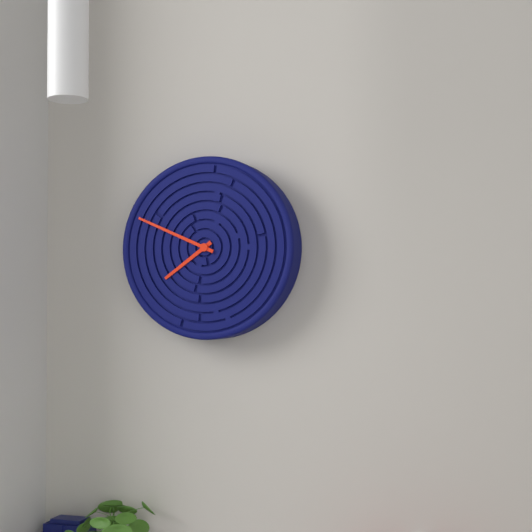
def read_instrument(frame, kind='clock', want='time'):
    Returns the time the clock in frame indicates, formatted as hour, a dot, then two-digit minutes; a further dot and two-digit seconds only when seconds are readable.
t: 7.49
